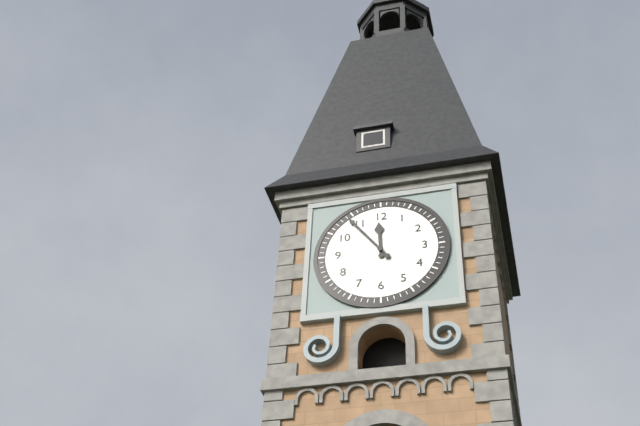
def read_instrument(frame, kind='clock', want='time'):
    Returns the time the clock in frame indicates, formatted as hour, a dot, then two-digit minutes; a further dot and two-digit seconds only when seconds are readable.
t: 11.54
